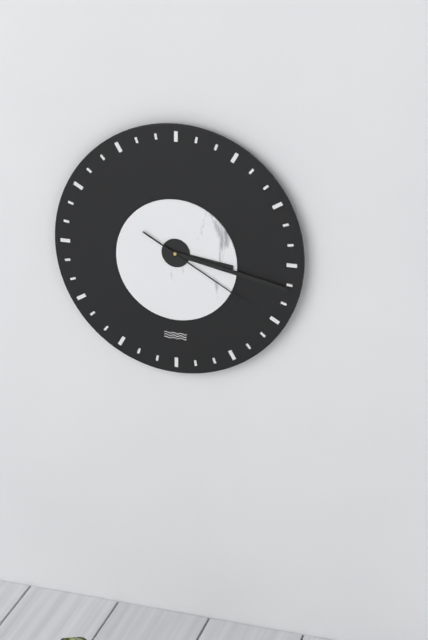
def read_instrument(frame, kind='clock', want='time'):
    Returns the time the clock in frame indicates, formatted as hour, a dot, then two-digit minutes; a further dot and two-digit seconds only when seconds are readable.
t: 3.17.20
